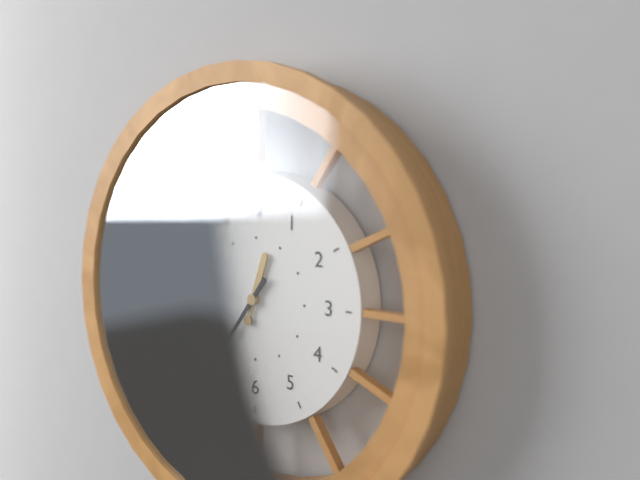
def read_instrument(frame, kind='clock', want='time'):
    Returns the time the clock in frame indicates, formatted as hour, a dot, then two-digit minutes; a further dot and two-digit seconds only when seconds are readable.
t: 12.36
